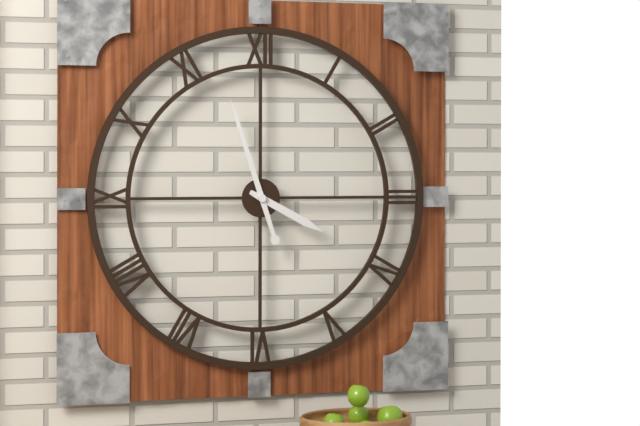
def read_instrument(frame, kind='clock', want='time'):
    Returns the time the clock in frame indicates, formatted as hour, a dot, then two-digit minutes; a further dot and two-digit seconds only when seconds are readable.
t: 3.57
